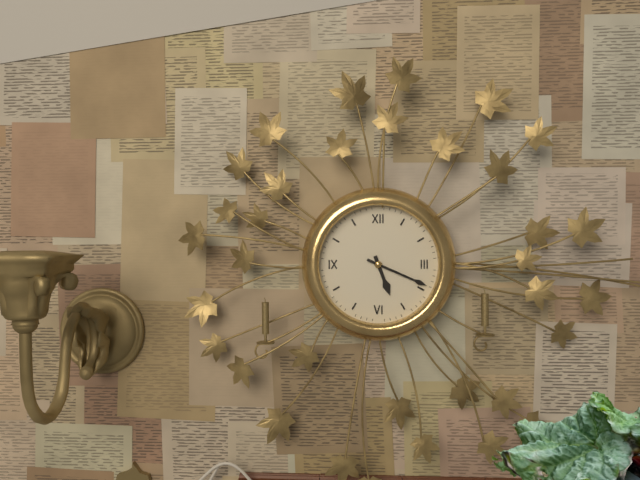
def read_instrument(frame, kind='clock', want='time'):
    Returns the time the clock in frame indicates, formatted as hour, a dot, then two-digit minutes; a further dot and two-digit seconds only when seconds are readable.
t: 5.19
